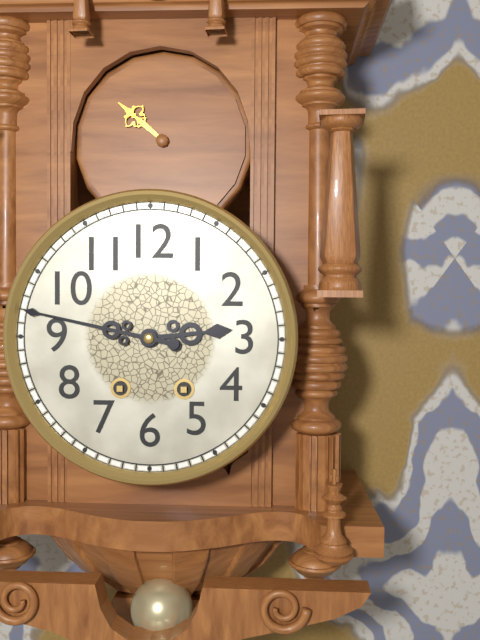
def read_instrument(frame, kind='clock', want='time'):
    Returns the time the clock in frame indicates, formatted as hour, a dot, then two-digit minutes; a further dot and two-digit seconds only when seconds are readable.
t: 2.47
